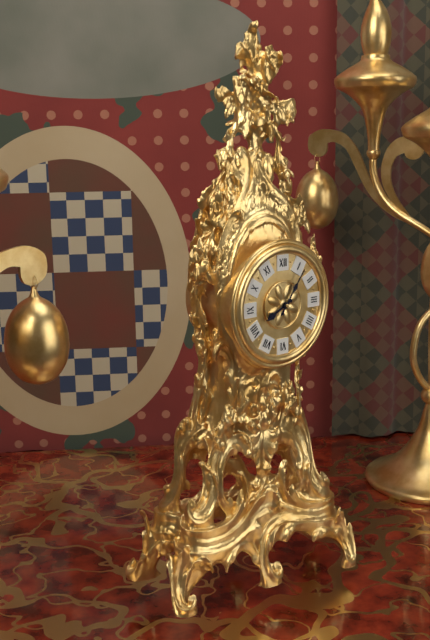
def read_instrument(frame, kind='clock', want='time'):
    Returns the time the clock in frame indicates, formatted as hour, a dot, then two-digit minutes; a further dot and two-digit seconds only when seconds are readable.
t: 8.06
